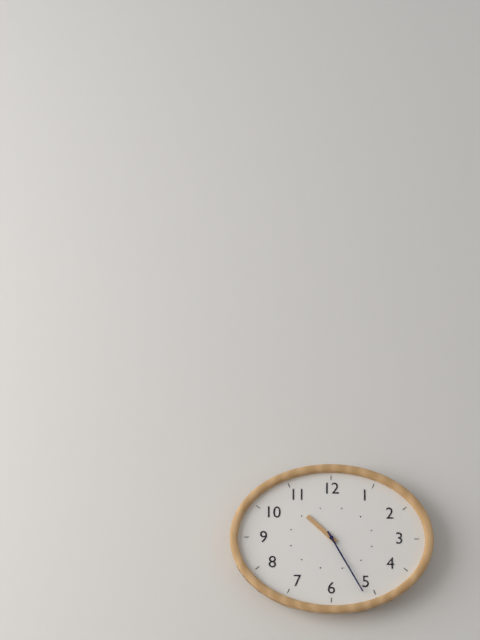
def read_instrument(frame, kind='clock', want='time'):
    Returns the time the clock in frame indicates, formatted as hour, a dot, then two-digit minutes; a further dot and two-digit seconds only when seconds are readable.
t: 10.25
